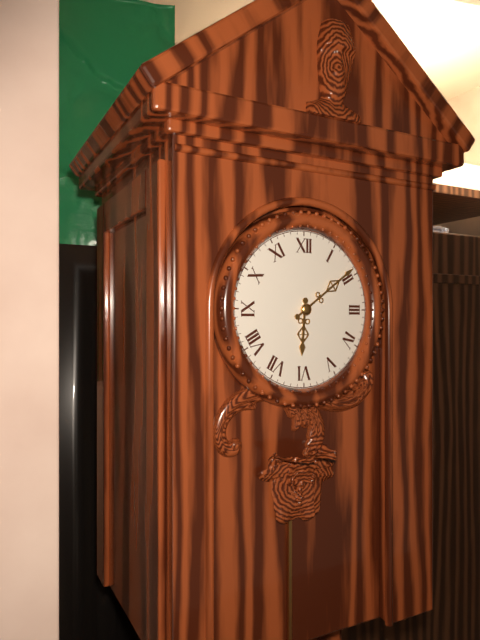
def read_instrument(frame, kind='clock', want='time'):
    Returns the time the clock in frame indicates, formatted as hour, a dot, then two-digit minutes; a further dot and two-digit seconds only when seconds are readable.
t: 6.09
